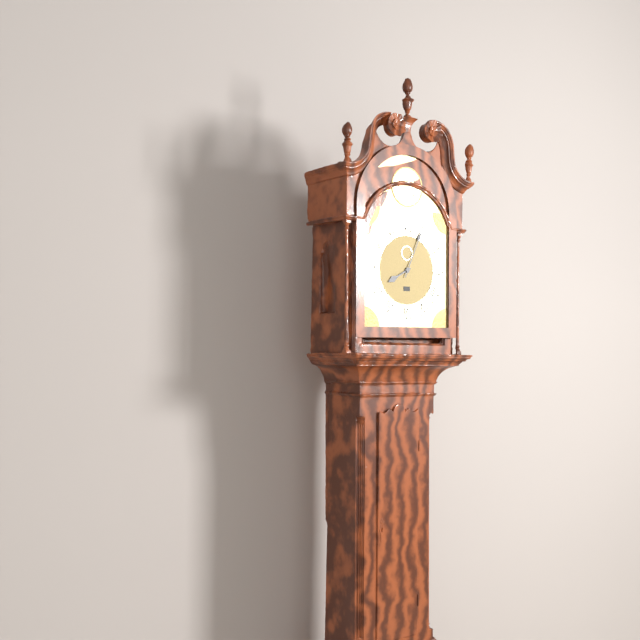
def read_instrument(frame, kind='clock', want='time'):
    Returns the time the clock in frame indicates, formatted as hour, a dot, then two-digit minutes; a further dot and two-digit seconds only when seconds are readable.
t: 8.04
